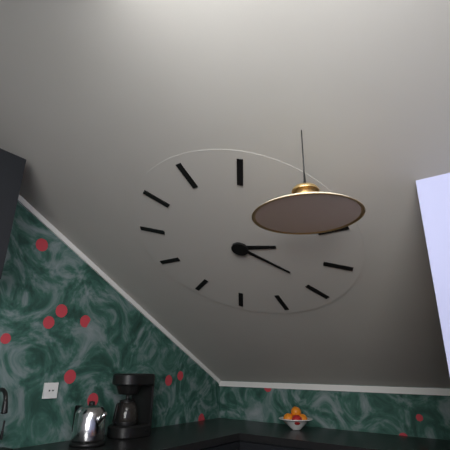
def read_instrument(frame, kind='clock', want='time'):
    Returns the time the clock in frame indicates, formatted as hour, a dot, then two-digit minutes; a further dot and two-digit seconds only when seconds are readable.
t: 3.24
